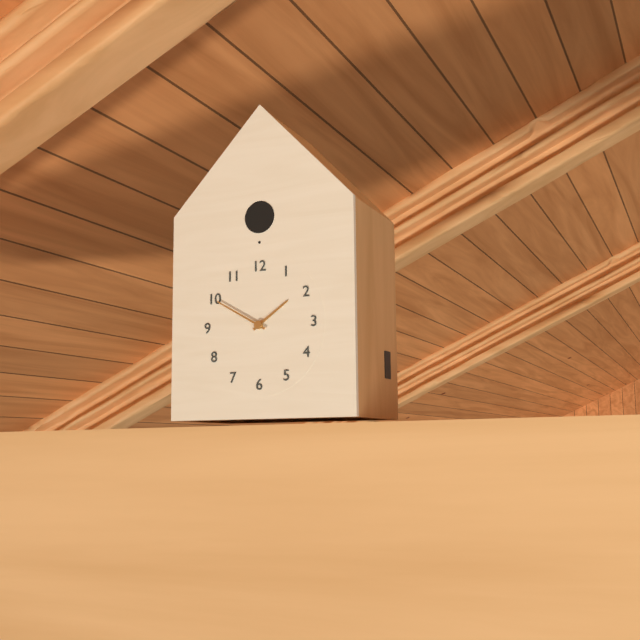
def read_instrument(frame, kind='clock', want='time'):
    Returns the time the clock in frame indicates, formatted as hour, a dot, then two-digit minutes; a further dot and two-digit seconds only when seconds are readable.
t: 1.50
